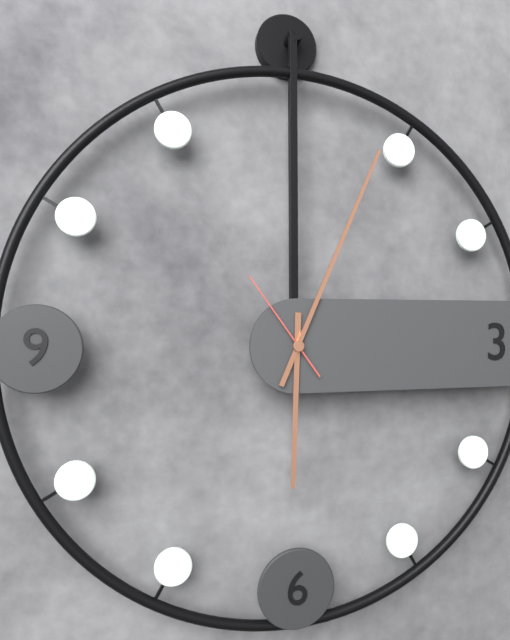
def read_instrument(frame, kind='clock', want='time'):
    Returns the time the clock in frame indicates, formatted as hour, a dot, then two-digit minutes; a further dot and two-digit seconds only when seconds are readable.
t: 6.04.54
